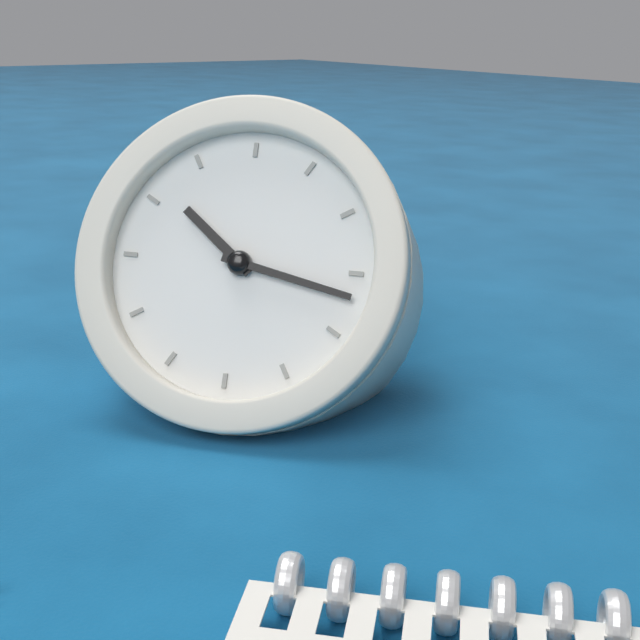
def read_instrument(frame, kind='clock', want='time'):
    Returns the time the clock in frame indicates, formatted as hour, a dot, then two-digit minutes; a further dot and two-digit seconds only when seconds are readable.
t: 10.17
